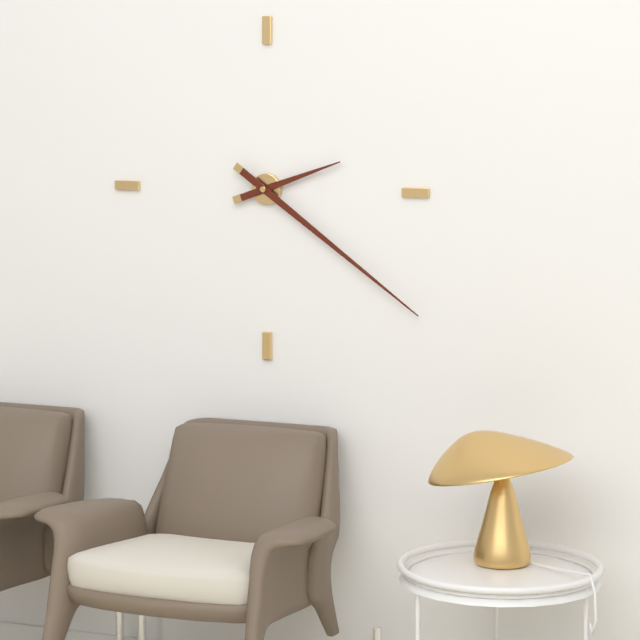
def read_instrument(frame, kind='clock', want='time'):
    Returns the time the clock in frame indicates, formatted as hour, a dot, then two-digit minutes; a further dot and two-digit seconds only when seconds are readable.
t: 2.21
